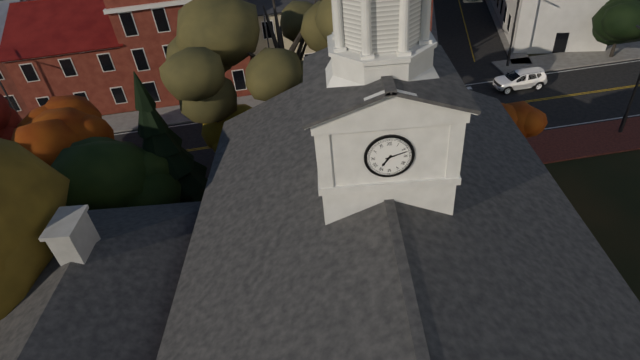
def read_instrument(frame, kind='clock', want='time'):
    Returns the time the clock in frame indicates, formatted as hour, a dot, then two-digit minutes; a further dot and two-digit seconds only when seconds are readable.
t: 7.12
